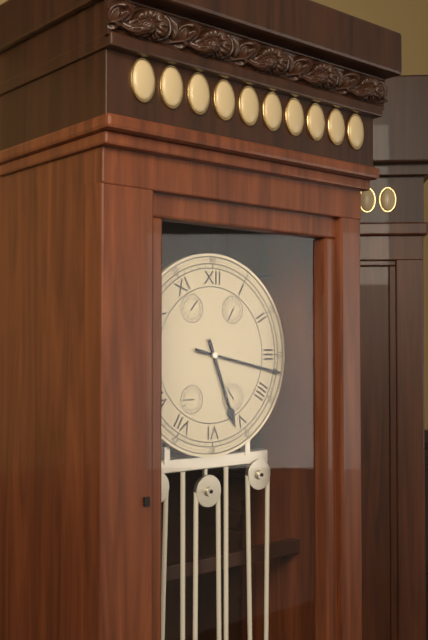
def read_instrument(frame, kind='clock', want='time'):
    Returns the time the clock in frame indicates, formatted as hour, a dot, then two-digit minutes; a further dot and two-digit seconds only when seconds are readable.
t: 5.17
